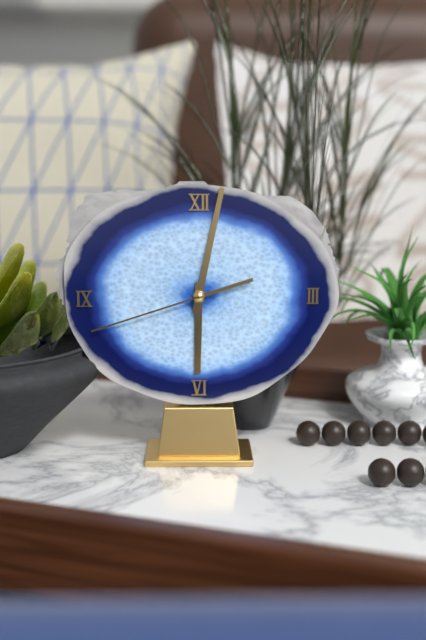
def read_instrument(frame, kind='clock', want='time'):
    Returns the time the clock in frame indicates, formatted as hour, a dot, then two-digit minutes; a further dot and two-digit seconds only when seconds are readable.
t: 6.02.42
